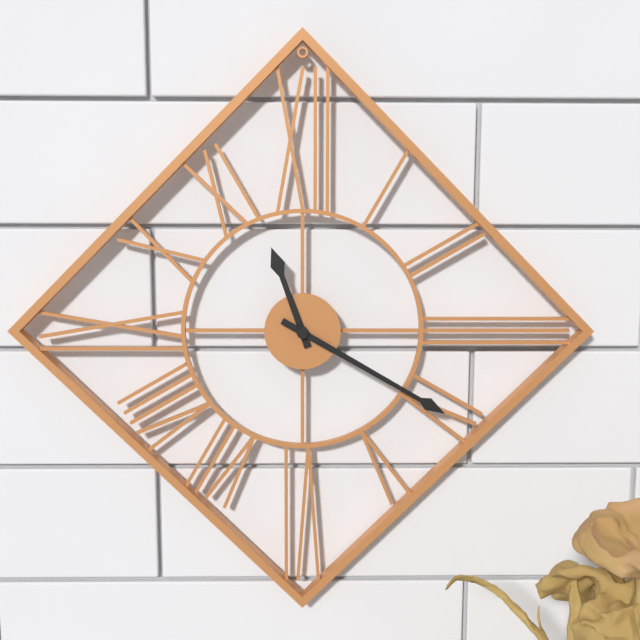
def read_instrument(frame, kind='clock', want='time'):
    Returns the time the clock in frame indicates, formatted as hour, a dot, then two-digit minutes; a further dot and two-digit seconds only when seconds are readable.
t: 11.20
